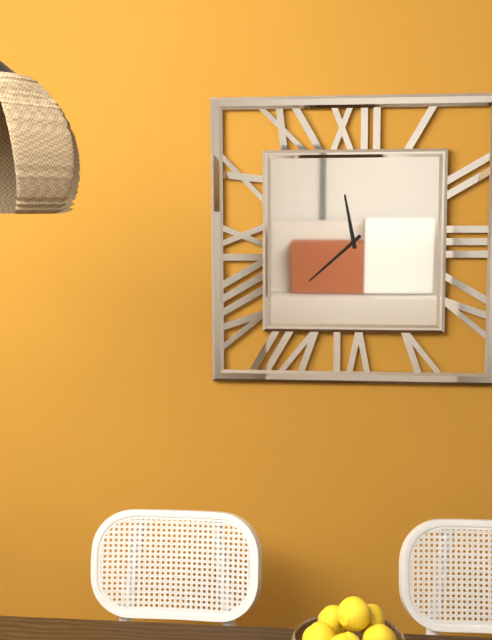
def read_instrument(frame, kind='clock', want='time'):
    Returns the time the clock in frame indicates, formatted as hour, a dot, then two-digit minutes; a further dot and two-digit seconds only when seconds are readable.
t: 11.38
